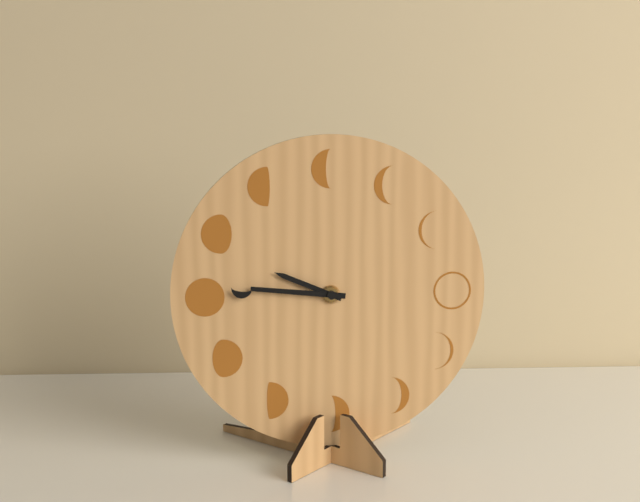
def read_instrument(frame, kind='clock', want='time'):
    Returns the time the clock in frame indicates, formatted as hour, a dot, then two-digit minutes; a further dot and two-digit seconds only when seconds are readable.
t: 9.46
